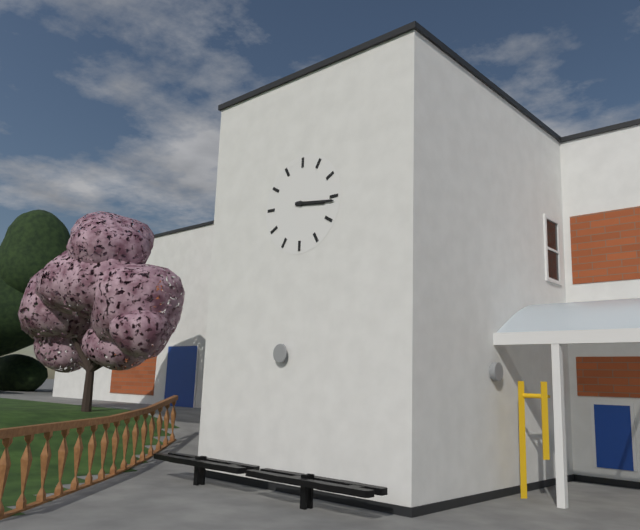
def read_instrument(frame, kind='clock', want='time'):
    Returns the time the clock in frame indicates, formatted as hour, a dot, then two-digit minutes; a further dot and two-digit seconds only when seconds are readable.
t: 3.16
